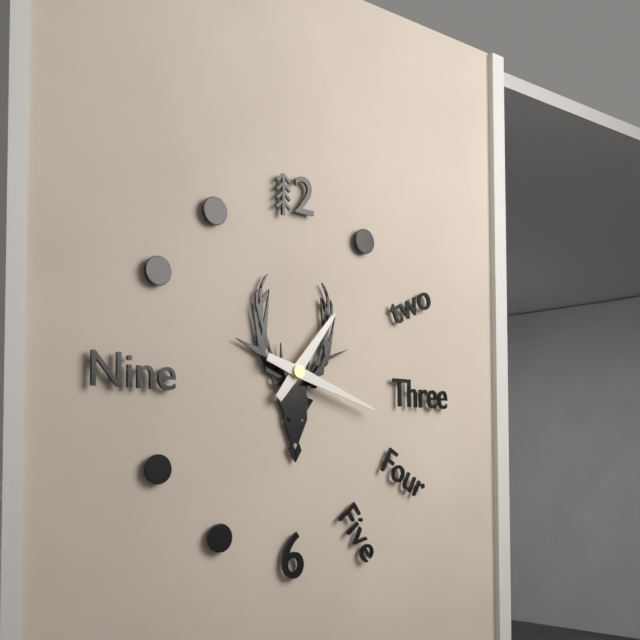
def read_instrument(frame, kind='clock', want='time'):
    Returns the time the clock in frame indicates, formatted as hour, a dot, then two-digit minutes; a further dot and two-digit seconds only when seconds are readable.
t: 1.18
